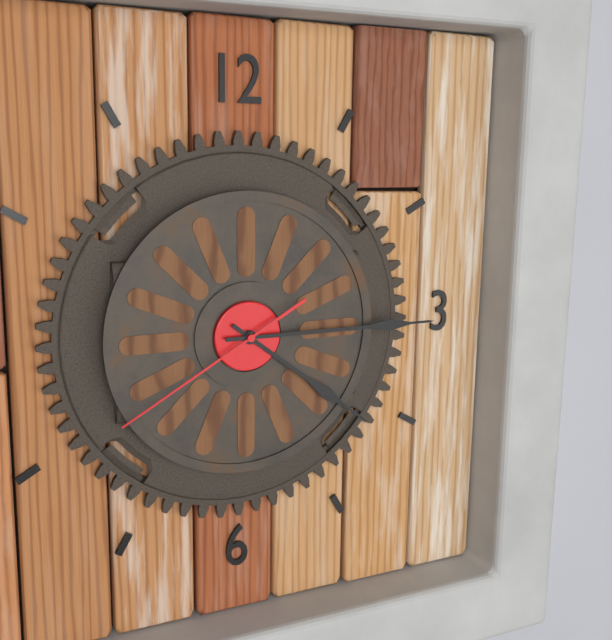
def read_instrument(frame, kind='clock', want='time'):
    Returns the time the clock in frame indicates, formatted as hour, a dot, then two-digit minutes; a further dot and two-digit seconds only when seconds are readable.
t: 4.15.40
